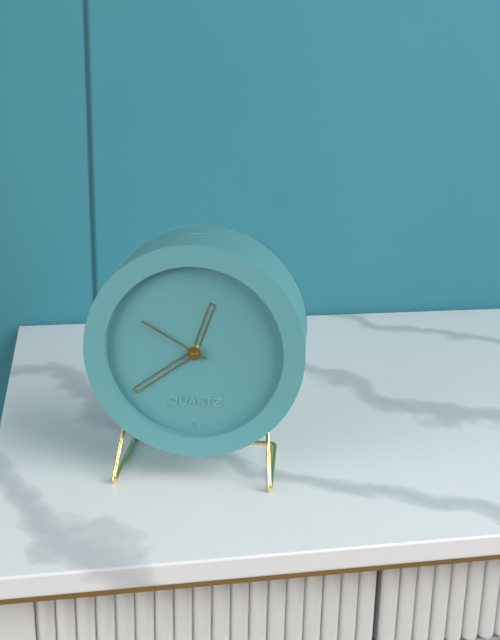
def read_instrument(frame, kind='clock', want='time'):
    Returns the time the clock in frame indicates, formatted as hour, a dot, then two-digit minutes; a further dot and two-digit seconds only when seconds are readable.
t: 12.39.50
